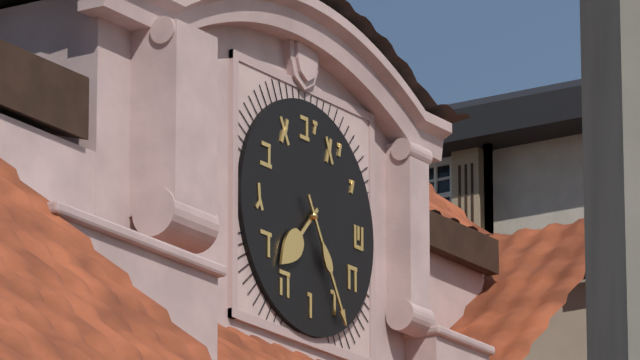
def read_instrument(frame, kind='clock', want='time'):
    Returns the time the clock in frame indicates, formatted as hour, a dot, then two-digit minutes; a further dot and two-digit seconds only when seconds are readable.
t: 7.25
